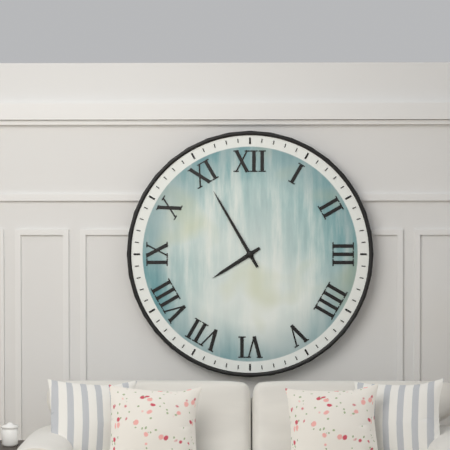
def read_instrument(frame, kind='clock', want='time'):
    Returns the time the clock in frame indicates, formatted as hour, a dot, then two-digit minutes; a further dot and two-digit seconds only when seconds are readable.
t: 7.55
